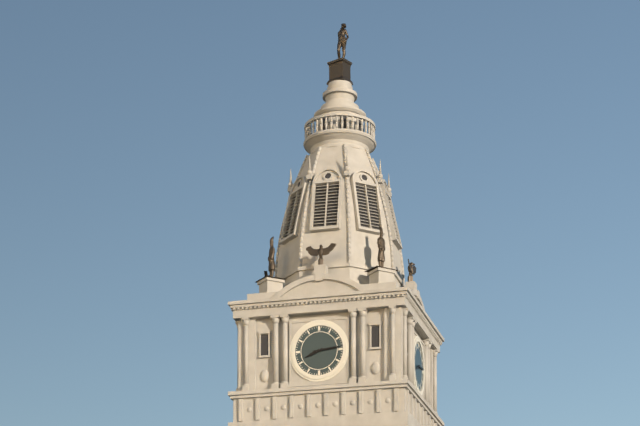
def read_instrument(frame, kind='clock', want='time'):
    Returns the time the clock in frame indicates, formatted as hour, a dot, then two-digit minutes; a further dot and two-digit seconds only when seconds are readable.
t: 8.14
